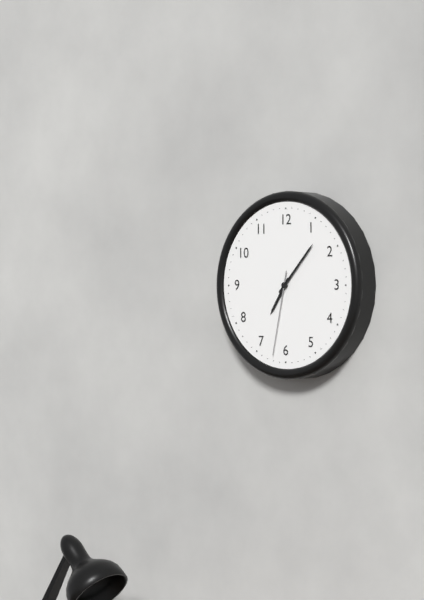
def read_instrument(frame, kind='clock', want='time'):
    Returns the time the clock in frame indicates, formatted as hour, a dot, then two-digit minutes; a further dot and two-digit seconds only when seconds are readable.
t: 7.07.32
